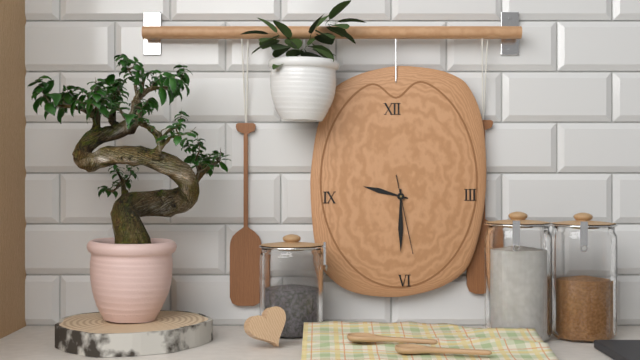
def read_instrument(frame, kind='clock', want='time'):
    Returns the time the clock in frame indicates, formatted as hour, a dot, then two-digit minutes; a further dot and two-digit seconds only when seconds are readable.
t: 9.30.28
